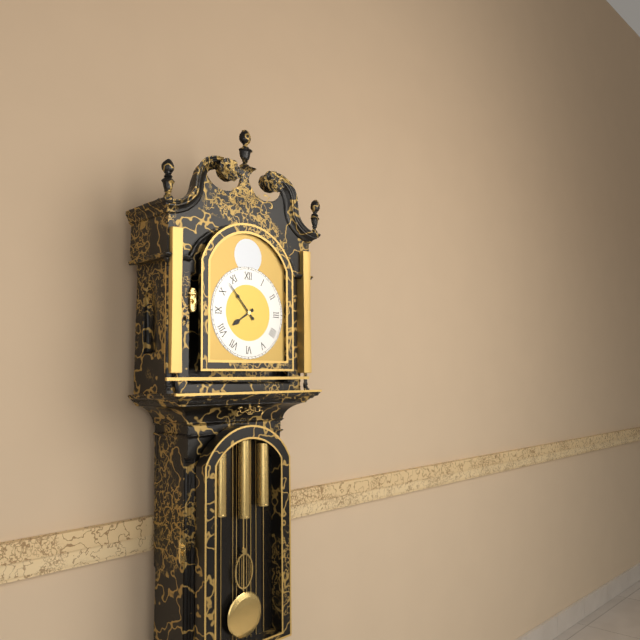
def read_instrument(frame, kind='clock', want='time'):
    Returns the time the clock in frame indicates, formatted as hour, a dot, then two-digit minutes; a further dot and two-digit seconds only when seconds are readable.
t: 7.53
